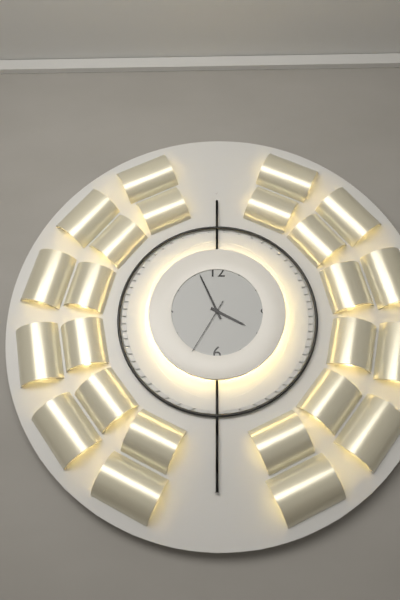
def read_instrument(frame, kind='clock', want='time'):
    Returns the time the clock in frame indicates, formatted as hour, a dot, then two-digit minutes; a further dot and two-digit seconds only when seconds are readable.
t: 3.56.35
